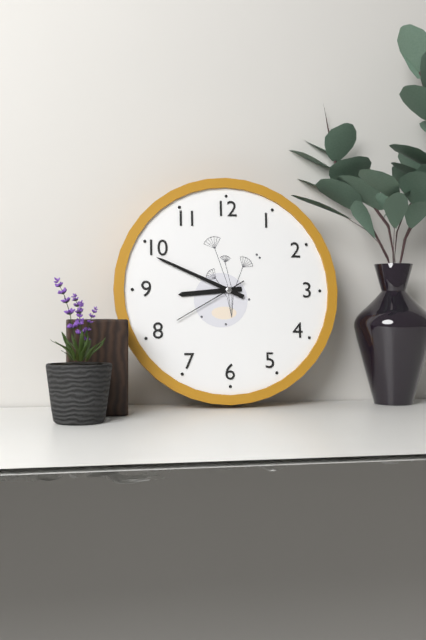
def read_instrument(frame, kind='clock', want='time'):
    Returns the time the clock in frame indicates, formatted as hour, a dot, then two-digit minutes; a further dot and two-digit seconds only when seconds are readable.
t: 8.49.40
